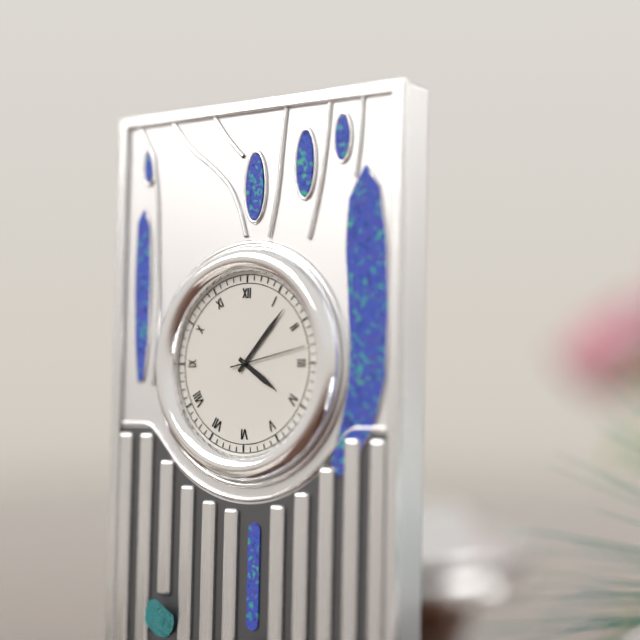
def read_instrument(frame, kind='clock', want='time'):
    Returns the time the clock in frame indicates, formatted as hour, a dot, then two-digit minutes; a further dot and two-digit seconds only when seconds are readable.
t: 4.07.13
